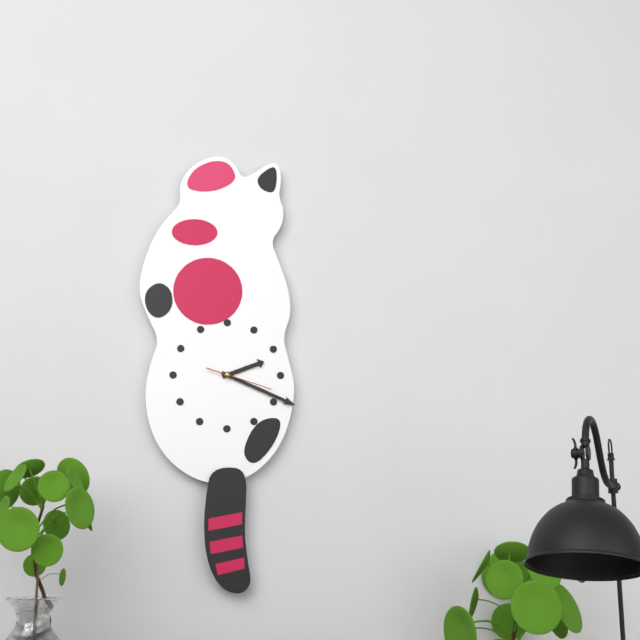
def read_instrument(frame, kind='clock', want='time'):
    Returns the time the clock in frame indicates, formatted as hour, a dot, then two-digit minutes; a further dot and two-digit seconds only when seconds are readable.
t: 2.19.18
